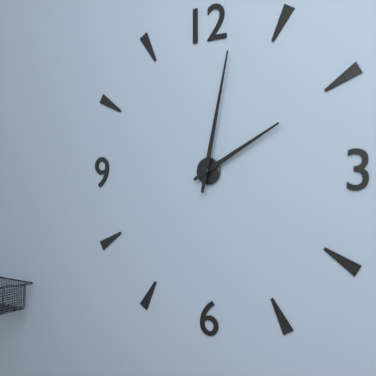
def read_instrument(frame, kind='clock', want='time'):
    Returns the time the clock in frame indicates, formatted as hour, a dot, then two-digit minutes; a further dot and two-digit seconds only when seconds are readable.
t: 2.02
